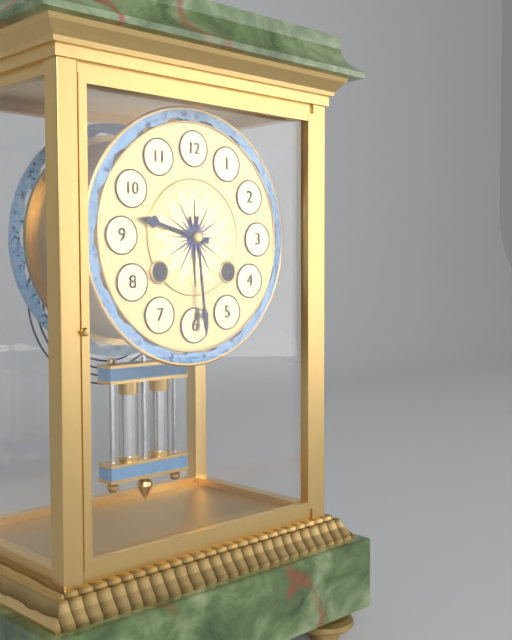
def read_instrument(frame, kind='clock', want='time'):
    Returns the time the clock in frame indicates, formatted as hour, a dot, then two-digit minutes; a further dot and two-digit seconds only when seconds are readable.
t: 9.29
